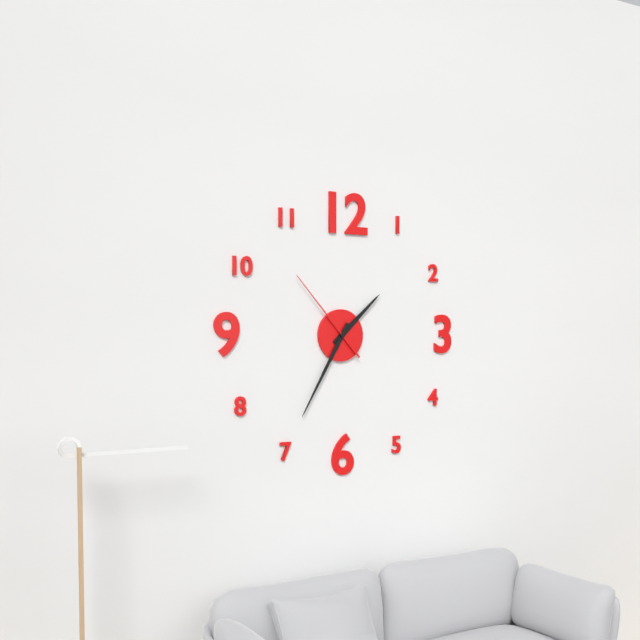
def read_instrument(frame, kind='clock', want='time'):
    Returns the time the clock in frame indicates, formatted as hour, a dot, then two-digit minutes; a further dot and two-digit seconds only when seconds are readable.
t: 1.35.53
